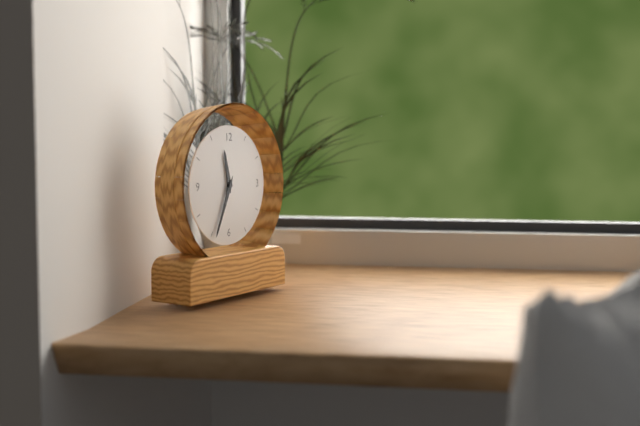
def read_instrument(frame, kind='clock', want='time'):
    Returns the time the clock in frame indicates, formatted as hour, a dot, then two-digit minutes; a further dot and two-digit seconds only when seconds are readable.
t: 11.34
